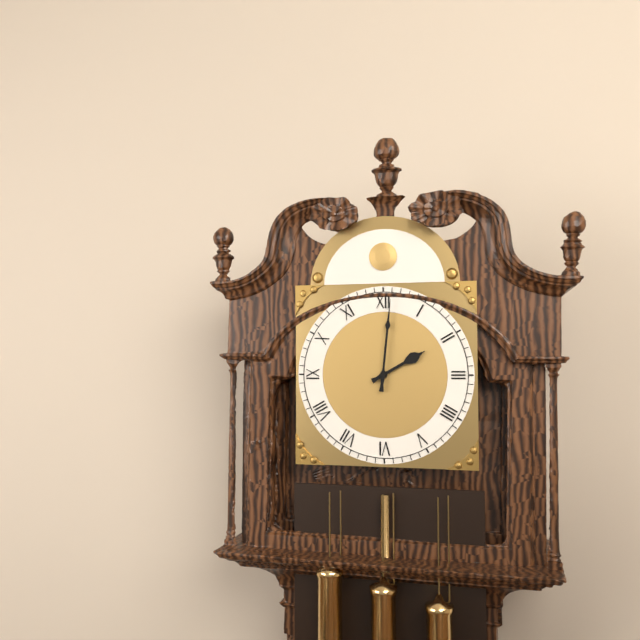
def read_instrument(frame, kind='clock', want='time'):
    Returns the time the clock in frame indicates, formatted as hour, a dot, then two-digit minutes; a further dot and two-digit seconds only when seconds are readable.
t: 2.01
